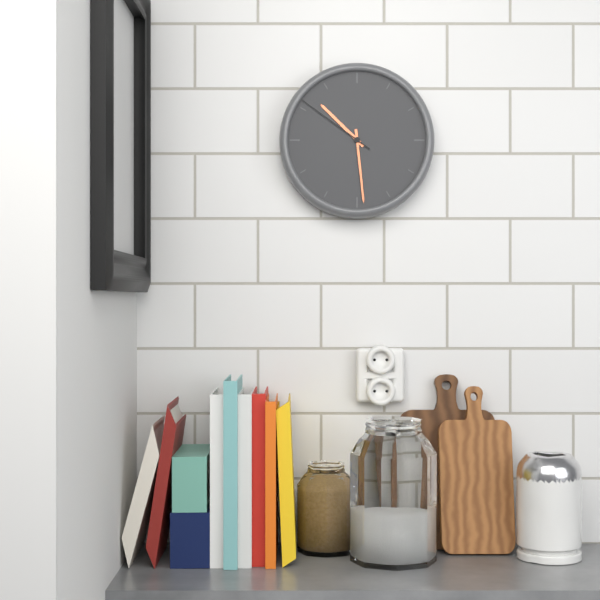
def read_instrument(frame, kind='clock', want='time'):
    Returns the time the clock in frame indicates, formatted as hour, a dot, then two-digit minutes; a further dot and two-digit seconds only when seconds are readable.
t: 10.29.51
